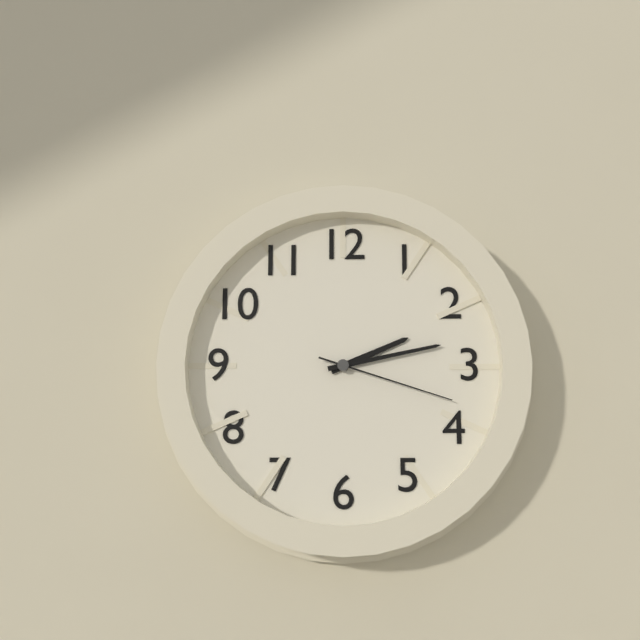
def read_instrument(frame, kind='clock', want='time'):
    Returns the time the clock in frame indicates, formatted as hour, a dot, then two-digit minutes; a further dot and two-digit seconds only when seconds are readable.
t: 2.13.18
